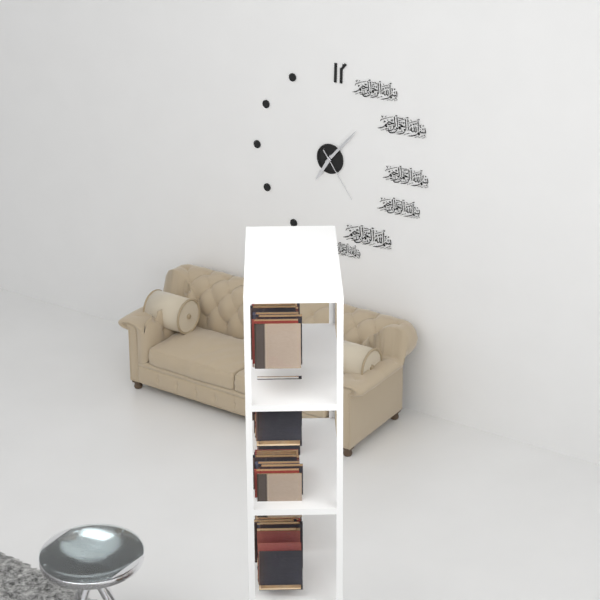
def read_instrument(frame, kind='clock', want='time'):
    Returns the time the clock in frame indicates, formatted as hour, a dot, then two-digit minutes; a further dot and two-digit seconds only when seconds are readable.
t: 7.07.24
